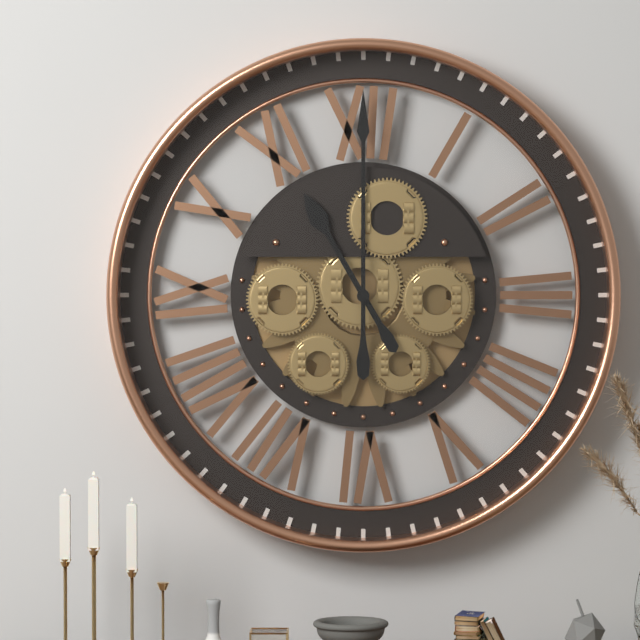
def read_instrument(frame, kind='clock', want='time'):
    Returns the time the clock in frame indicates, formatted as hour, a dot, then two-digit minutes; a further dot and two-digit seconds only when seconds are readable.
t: 11.00
